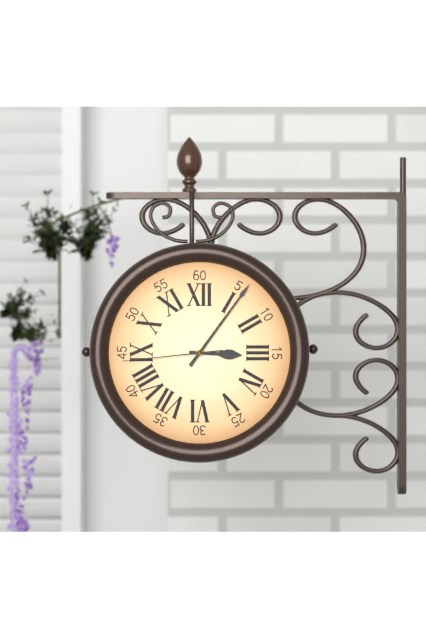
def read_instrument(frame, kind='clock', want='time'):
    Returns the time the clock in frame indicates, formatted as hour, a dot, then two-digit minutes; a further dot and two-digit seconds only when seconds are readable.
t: 3.06.44
